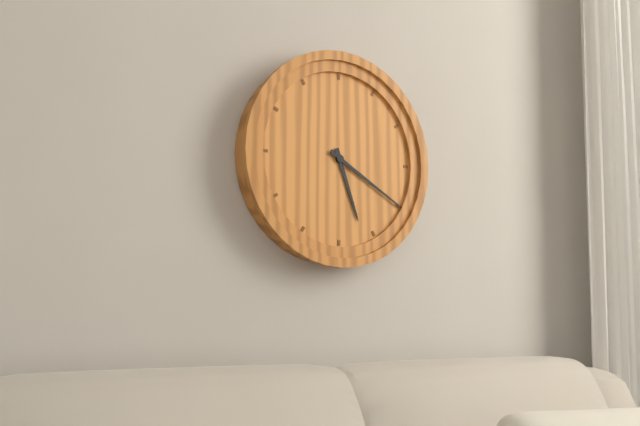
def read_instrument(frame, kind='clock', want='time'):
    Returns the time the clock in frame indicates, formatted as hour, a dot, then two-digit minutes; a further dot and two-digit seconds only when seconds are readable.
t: 5.20
